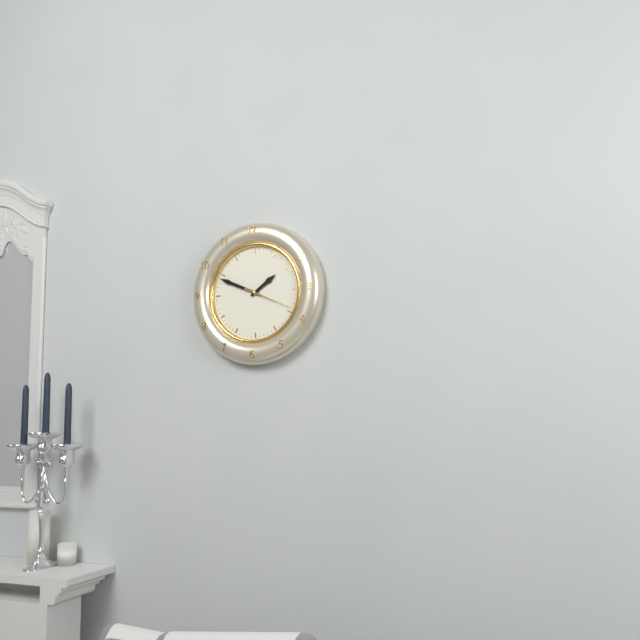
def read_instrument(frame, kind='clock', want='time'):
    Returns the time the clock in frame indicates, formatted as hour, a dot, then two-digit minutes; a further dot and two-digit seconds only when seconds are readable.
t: 1.49
